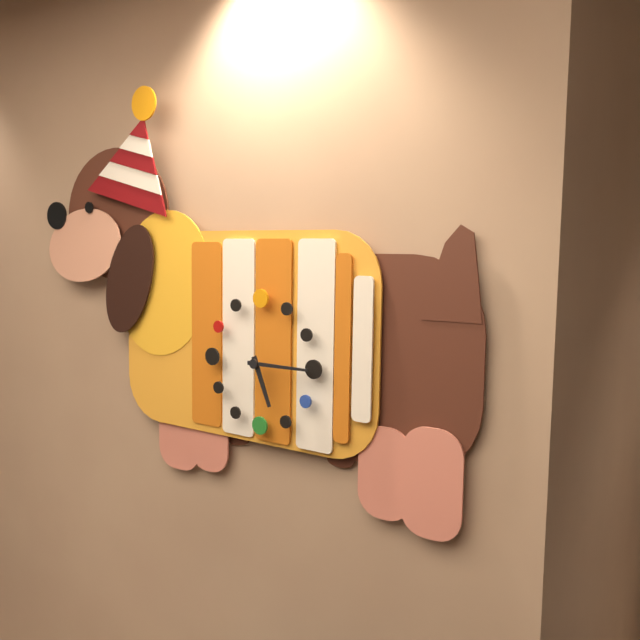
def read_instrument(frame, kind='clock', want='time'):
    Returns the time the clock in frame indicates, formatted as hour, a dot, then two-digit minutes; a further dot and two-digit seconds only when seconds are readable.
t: 5.15
